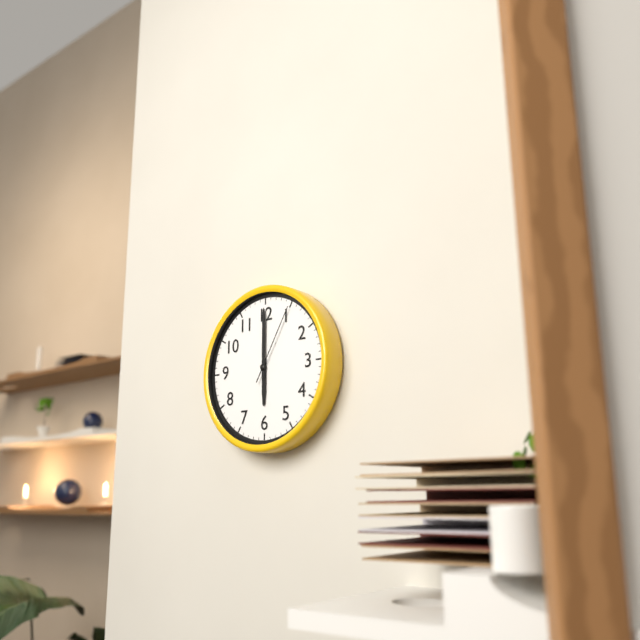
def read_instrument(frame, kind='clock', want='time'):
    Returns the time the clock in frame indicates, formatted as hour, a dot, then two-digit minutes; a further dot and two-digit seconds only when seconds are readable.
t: 6.00.05
